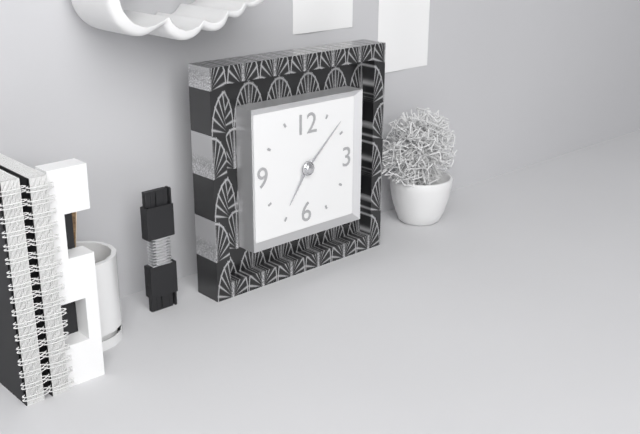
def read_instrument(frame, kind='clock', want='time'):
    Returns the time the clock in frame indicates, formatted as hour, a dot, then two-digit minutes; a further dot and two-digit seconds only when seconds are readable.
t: 7.08
